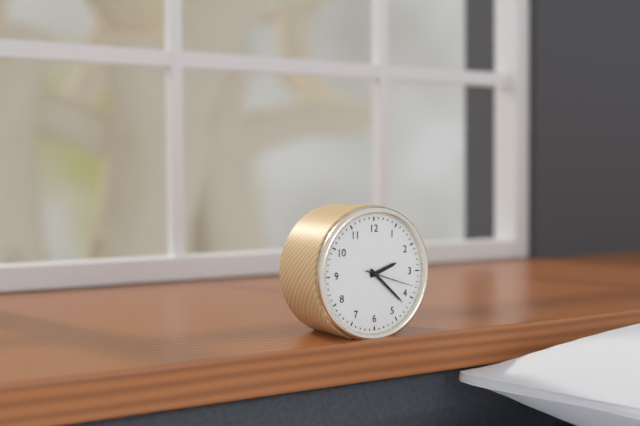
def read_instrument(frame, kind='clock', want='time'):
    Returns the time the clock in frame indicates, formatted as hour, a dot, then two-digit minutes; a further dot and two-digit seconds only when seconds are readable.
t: 2.22.18
